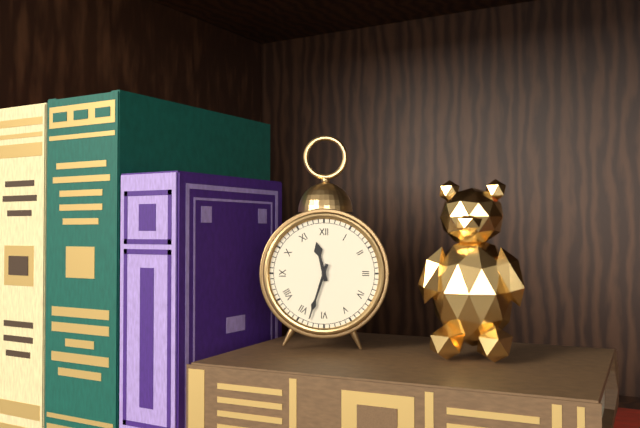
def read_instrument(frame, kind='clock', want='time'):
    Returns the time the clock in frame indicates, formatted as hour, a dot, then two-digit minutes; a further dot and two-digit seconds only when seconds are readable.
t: 11.33
